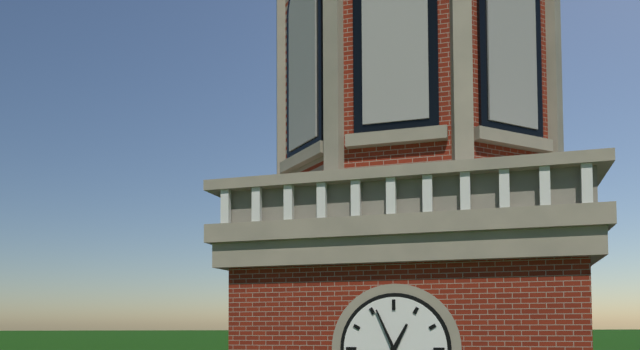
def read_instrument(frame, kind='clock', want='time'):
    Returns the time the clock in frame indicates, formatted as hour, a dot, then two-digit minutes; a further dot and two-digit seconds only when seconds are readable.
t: 12.56
